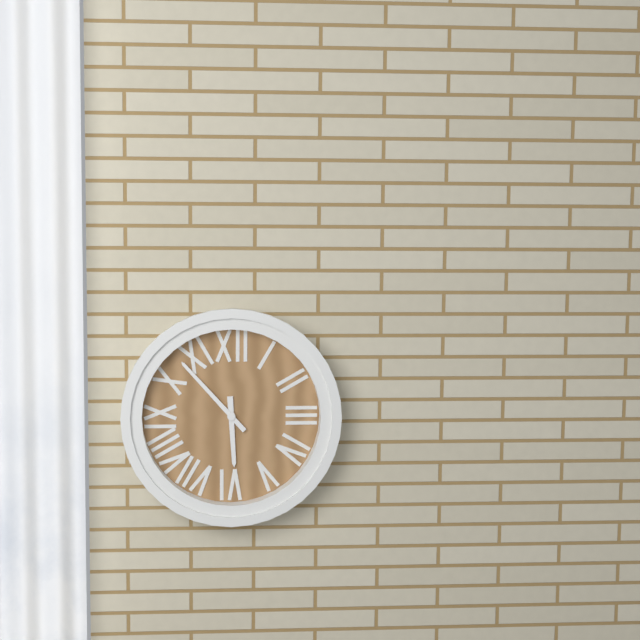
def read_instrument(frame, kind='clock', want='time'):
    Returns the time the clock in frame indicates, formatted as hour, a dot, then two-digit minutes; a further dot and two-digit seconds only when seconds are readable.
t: 5.53
